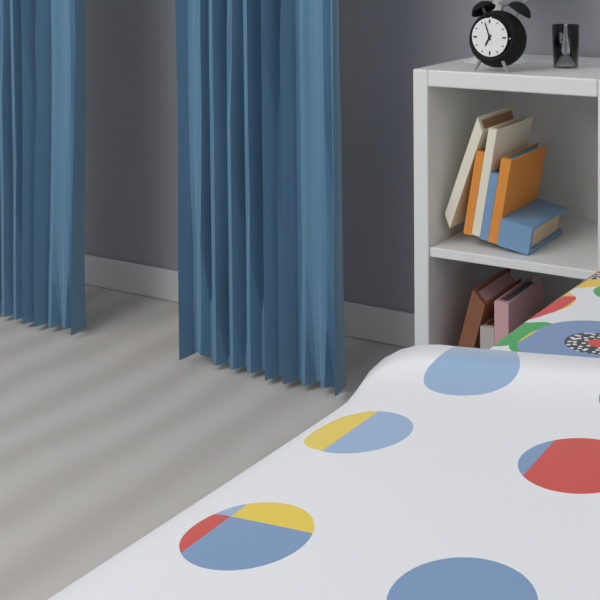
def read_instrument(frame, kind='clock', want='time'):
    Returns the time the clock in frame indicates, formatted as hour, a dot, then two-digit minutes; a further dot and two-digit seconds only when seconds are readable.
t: 6.57
